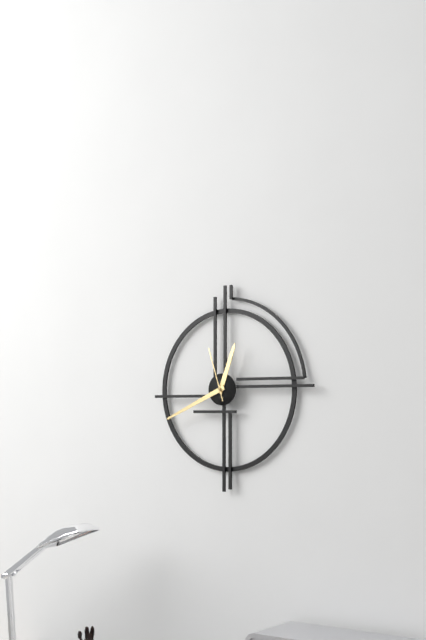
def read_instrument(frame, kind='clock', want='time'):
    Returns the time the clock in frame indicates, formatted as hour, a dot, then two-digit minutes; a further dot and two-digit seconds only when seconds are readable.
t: 12.41.57
